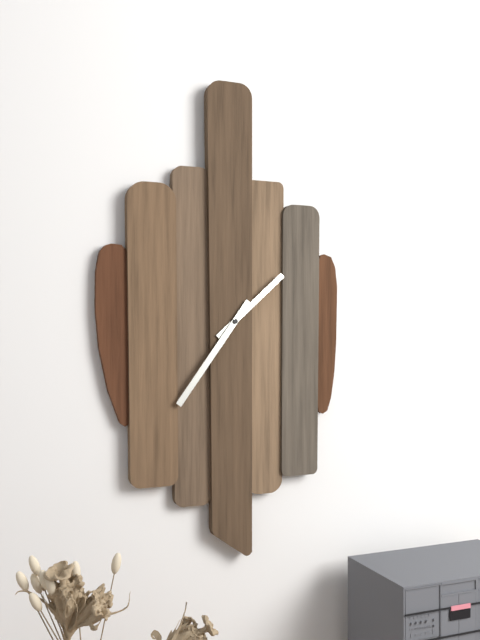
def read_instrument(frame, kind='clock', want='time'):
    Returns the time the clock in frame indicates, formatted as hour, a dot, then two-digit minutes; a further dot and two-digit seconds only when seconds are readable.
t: 1.36
